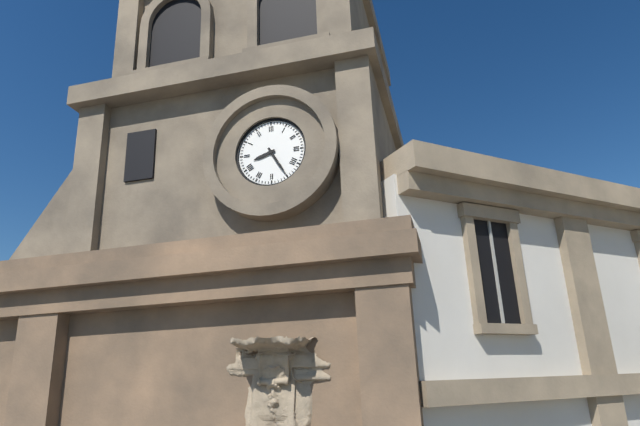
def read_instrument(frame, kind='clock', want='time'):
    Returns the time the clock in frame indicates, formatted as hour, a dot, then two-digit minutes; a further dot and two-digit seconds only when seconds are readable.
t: 8.25
